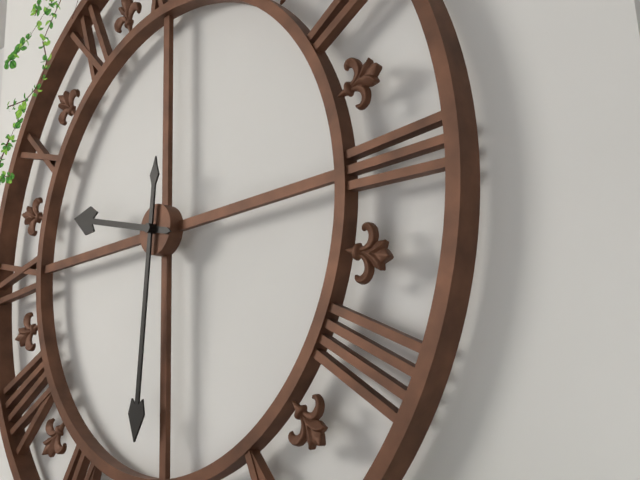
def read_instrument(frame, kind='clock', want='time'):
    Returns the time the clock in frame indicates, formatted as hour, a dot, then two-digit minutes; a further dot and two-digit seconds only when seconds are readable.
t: 9.31
